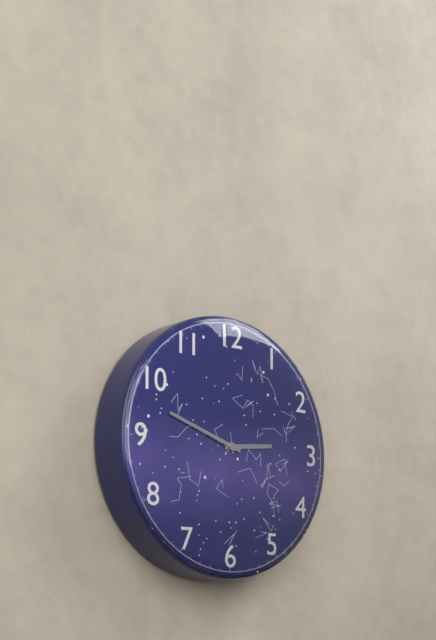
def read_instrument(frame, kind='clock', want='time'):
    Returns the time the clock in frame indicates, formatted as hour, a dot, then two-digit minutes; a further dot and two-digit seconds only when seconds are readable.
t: 2.48
